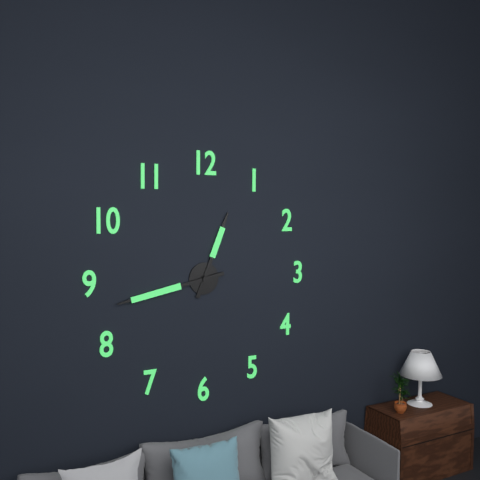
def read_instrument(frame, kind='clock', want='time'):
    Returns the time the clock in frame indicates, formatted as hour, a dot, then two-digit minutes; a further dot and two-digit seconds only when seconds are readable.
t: 12.43
